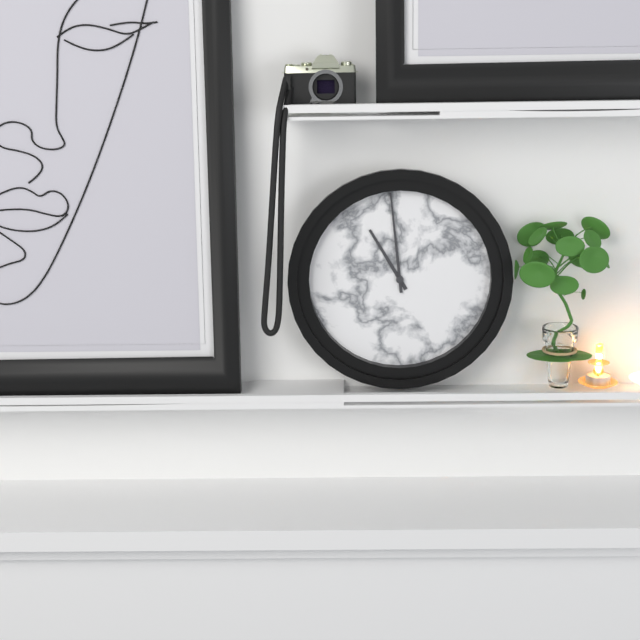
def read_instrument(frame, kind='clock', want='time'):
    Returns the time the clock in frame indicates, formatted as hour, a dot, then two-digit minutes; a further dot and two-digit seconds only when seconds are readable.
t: 10.59
